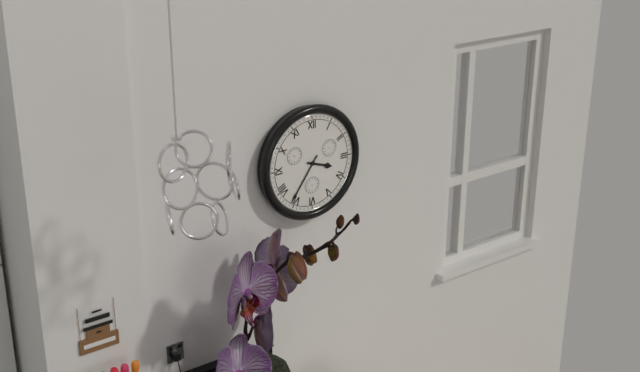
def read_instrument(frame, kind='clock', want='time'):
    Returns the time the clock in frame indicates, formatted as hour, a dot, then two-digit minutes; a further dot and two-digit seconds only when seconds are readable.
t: 3.36
